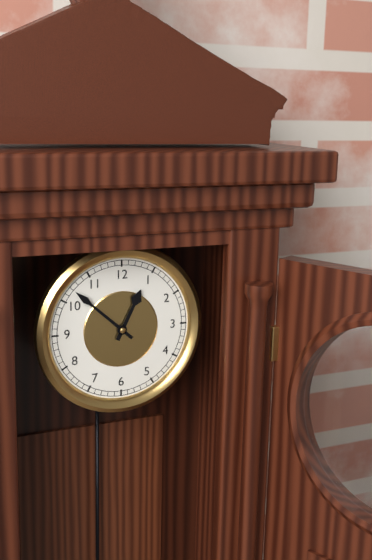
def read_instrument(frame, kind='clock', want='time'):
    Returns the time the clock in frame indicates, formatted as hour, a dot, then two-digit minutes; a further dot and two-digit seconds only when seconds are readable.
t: 12.52
